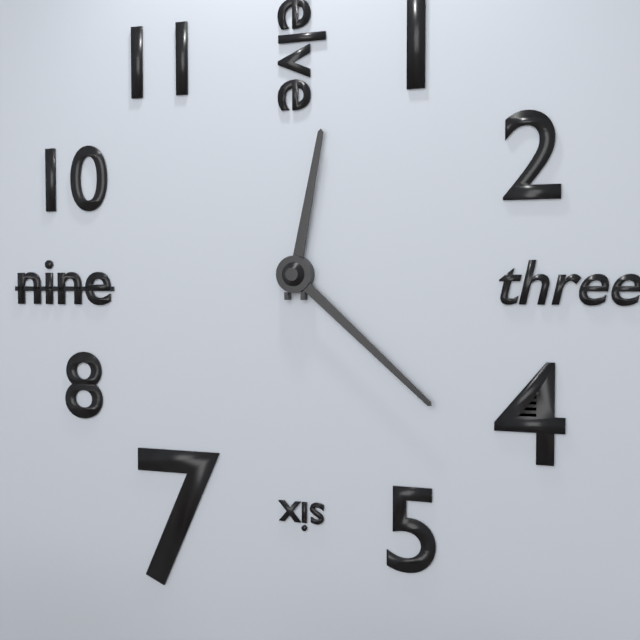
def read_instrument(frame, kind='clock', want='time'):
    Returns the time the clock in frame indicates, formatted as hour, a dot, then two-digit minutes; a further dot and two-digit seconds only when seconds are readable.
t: 12.22
